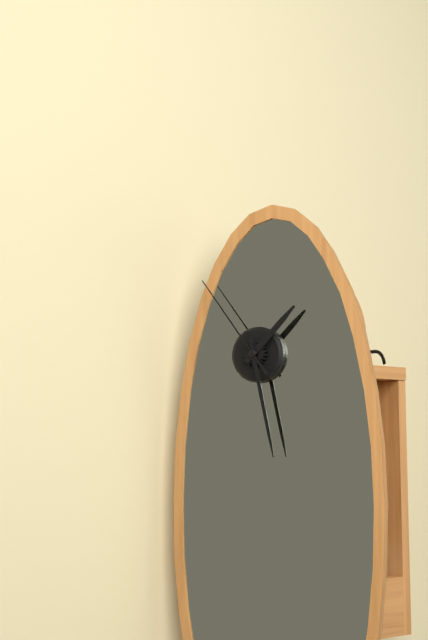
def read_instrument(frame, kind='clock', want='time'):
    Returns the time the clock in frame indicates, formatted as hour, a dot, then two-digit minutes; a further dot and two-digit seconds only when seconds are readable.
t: 1.28.54
